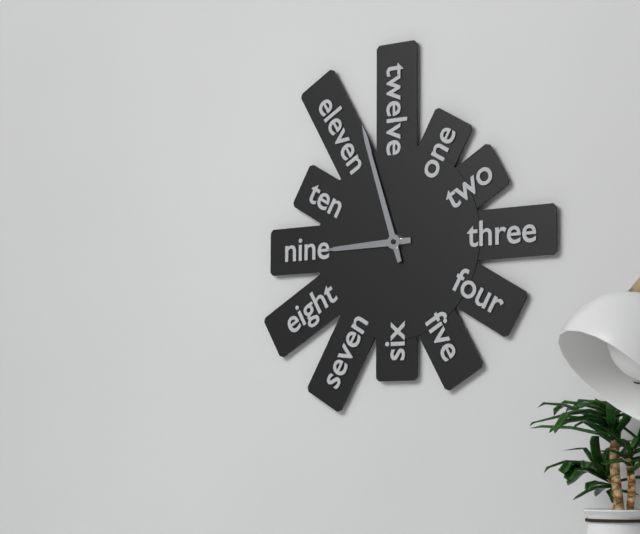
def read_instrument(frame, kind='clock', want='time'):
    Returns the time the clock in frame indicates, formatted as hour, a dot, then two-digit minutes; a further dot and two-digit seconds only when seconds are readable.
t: 8.57
